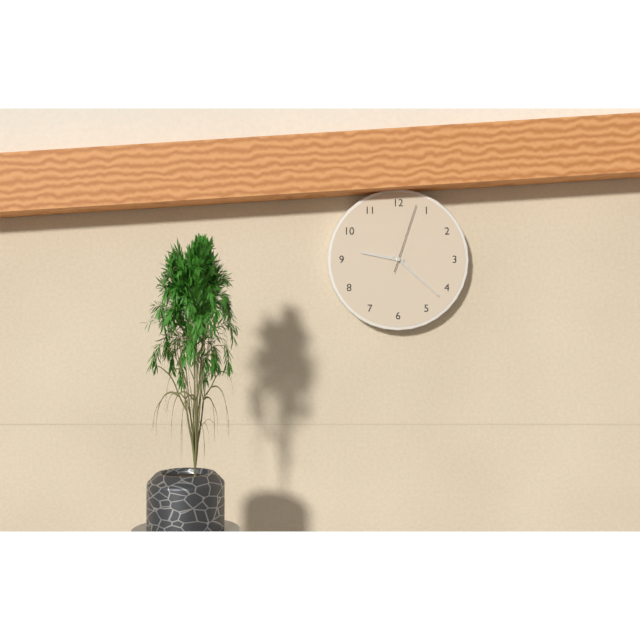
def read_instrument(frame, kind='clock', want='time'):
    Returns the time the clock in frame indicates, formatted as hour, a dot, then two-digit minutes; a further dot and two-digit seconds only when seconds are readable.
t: 9.22.03
